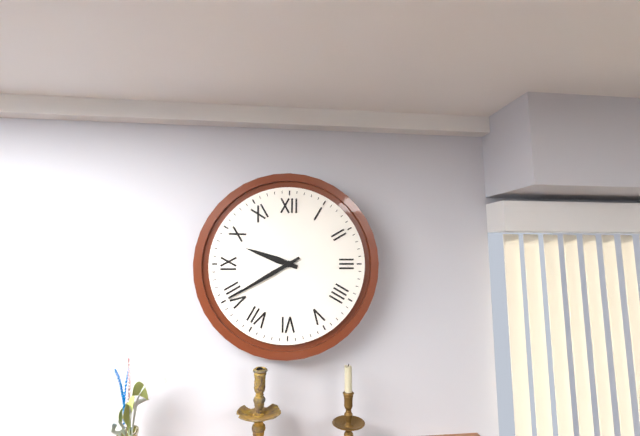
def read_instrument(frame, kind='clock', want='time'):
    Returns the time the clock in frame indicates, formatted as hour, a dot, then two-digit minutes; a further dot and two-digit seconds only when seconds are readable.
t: 9.40
